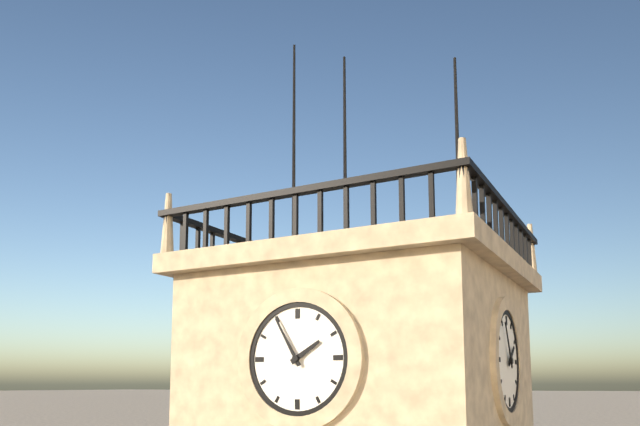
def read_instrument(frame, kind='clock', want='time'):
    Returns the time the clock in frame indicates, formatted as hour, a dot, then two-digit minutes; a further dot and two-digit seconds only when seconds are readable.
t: 1.55
